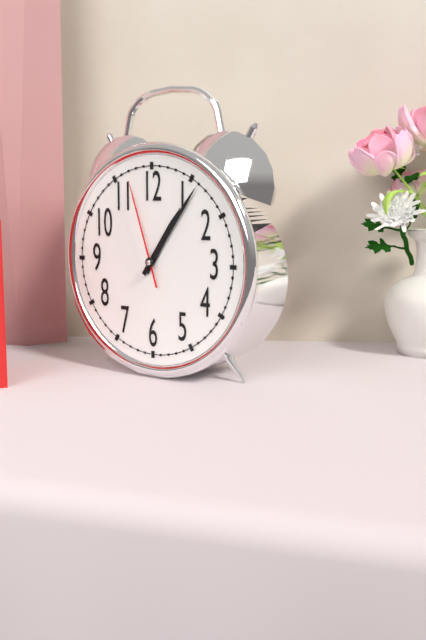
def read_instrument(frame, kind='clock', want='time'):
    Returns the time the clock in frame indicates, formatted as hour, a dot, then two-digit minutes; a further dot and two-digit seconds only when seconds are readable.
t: 1.06.57
